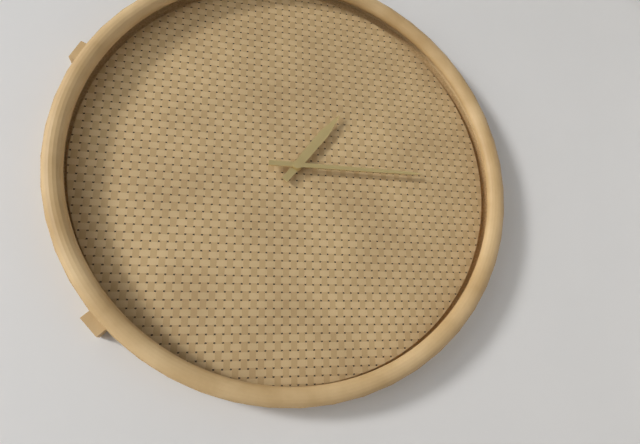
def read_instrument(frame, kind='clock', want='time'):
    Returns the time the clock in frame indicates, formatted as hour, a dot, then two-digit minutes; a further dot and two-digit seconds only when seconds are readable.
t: 1.15
